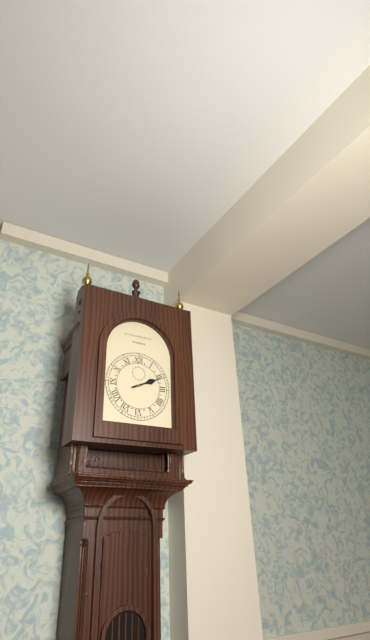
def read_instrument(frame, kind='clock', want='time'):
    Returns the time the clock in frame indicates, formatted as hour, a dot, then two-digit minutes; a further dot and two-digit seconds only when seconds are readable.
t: 2.11
